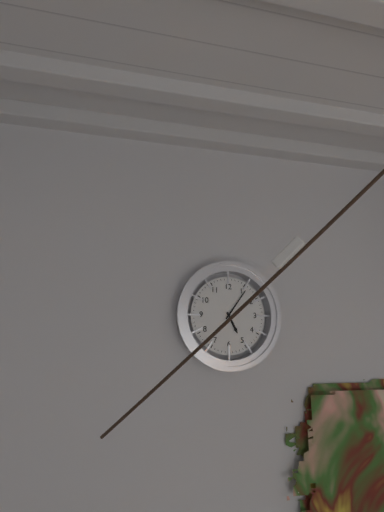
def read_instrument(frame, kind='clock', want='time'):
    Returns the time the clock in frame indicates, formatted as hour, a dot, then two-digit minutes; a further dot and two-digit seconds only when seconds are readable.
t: 5.06
